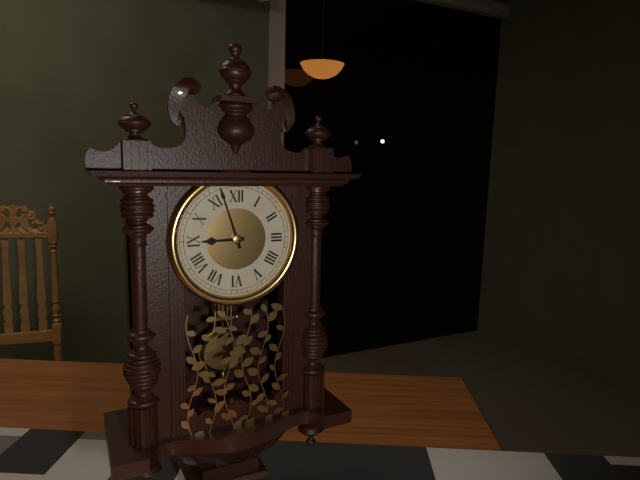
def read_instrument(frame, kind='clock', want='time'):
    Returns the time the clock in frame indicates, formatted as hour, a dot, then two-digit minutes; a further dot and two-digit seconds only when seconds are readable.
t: 8.57
